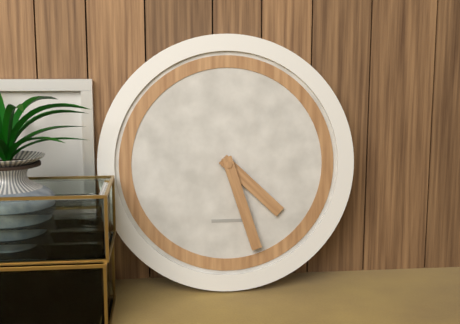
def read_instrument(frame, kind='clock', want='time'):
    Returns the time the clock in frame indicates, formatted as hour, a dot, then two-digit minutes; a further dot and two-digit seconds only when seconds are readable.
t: 4.27
